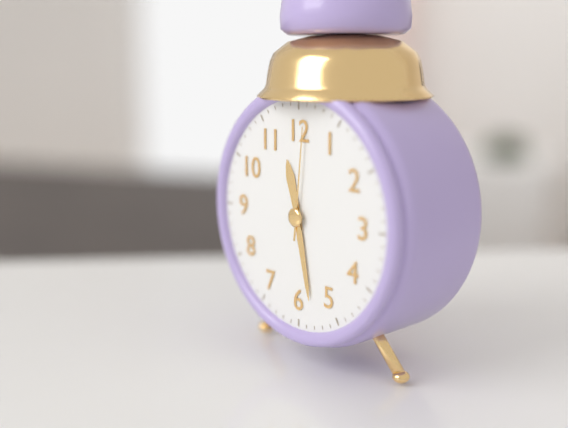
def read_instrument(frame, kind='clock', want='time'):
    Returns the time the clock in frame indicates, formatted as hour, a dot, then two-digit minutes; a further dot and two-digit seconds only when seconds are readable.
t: 11.28.01
